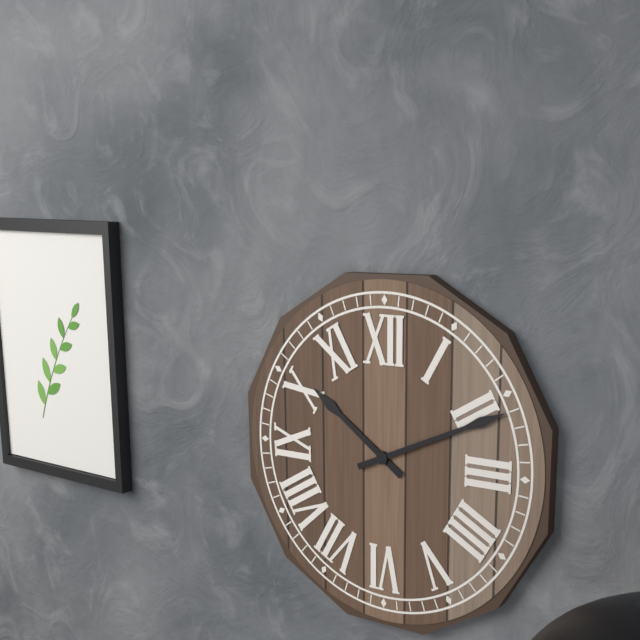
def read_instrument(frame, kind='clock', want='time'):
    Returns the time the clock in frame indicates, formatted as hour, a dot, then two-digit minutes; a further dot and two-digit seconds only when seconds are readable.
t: 10.11
